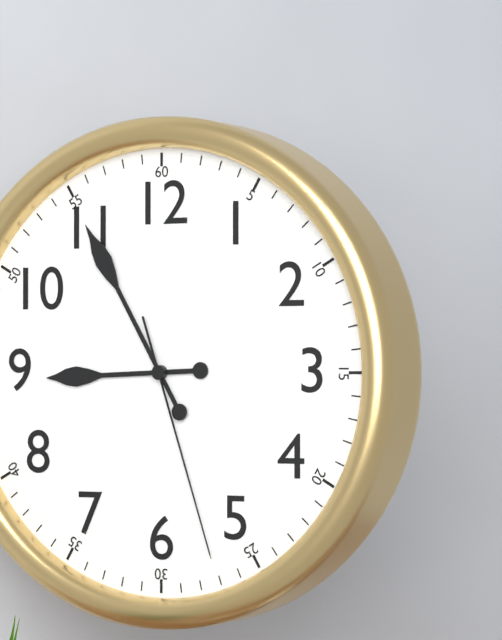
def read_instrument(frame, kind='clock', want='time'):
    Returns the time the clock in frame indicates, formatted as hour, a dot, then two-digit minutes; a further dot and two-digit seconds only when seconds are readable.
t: 8.55.27
